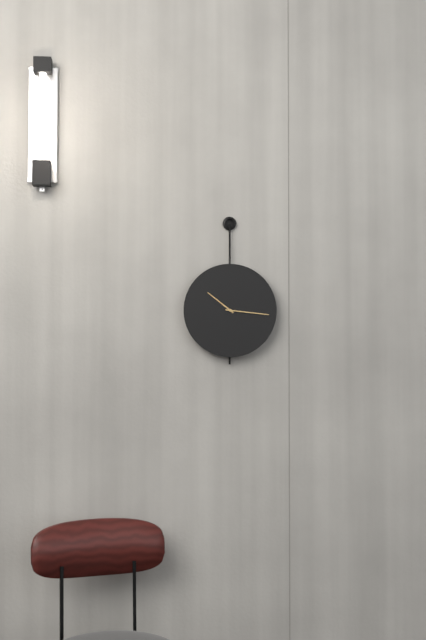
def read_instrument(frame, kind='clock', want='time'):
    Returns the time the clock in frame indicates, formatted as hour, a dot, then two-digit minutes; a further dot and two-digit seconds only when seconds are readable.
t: 10.16
